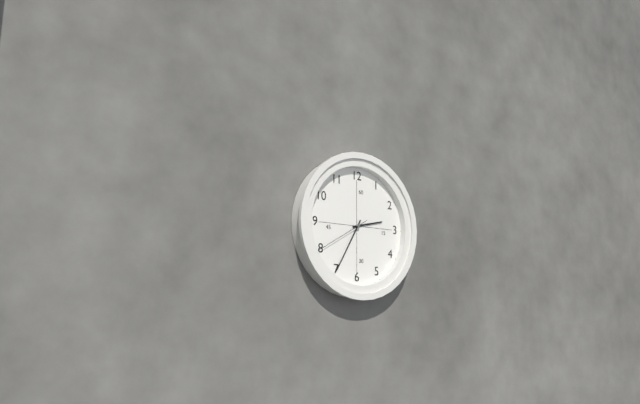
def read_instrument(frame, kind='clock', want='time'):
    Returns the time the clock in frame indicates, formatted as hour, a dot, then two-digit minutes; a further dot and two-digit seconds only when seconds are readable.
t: 2.35.40
